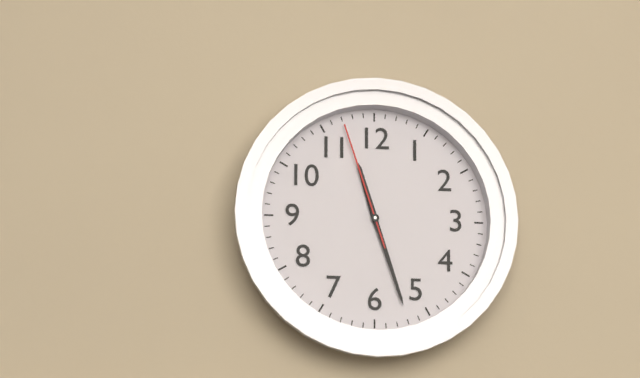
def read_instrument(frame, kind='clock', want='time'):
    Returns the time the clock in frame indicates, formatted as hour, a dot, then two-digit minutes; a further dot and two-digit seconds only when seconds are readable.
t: 11.27.57
